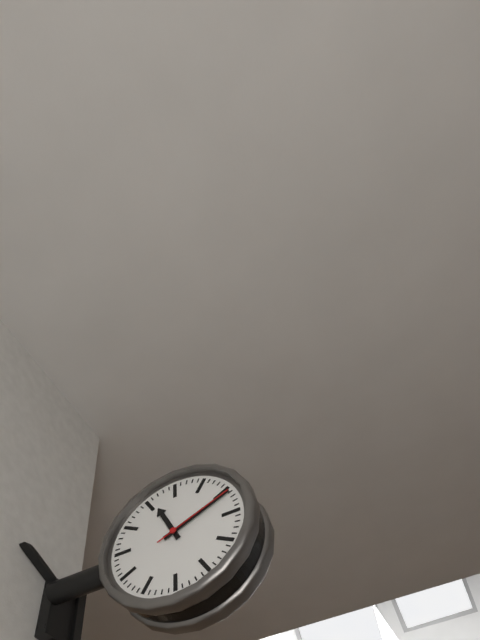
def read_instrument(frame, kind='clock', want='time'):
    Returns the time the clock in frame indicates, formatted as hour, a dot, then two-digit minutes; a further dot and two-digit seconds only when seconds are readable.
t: 11.11.11
